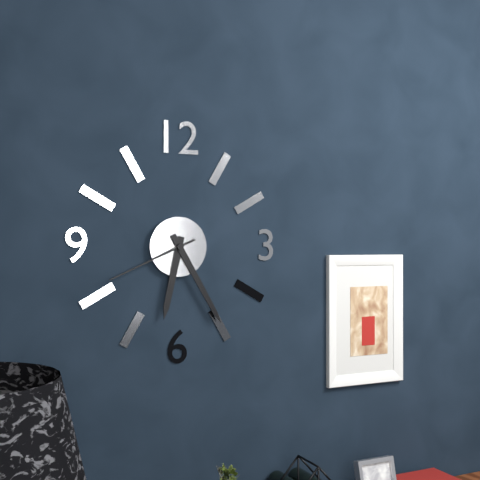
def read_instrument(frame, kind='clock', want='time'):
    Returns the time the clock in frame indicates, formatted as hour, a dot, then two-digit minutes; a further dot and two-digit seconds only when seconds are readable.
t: 6.25.41
